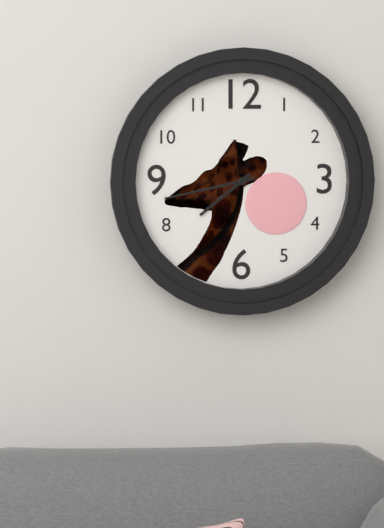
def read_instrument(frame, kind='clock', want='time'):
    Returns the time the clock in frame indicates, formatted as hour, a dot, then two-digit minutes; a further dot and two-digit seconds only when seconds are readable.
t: 7.43
